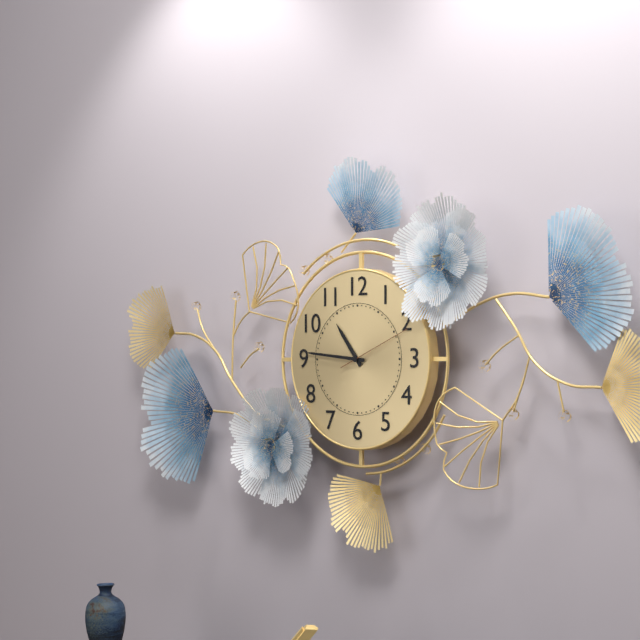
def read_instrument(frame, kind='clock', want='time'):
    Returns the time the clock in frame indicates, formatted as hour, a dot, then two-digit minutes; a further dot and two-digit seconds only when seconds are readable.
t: 10.46.11
